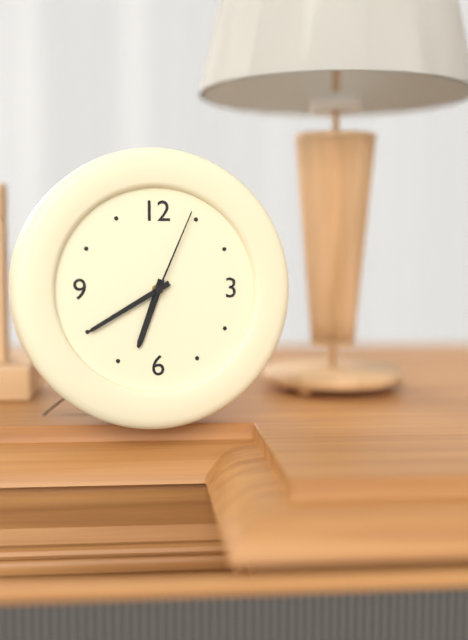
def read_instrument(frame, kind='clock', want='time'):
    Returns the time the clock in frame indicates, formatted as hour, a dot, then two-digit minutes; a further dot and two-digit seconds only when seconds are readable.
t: 6.40.04
